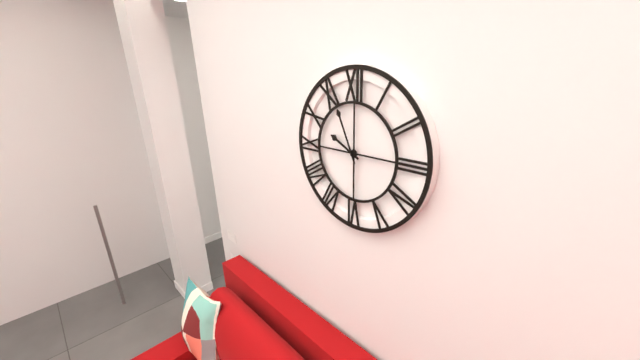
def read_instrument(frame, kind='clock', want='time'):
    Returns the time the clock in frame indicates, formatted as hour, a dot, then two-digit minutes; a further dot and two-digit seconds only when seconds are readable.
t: 9.56
